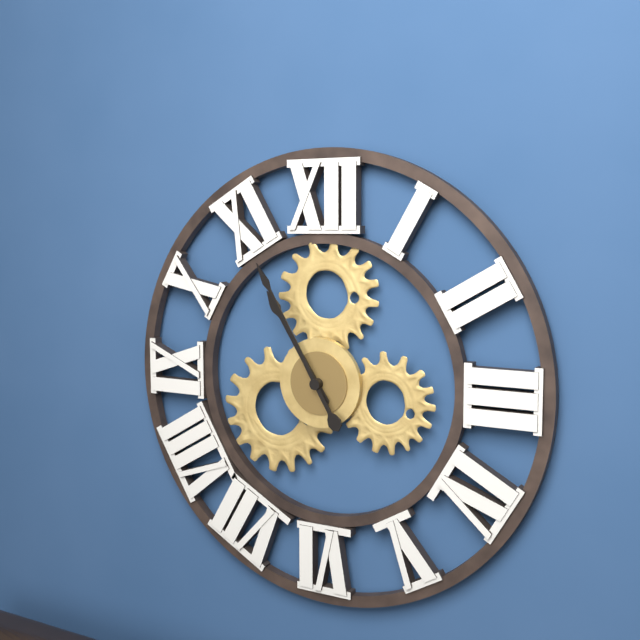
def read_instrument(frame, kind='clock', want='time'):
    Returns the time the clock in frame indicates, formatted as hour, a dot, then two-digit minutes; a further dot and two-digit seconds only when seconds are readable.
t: 10.55
